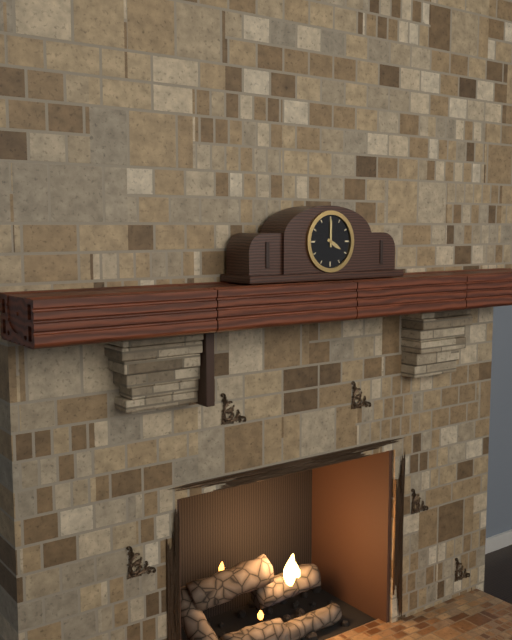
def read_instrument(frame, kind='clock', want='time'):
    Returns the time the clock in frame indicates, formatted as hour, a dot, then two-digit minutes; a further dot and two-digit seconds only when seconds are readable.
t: 4.00
